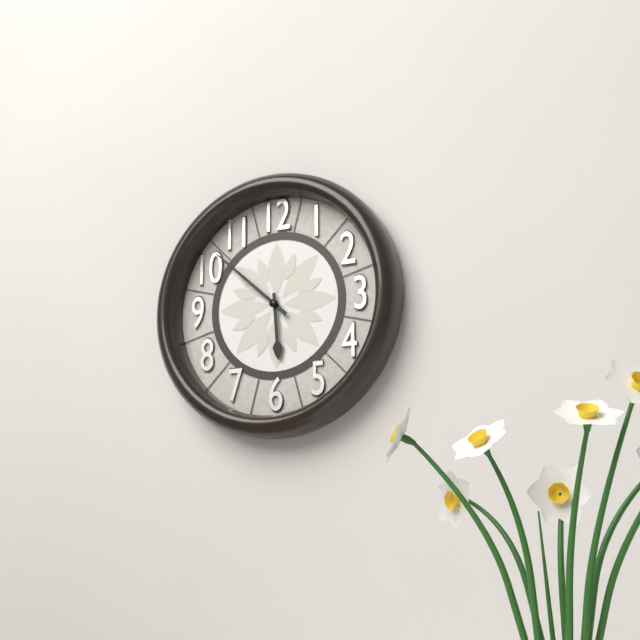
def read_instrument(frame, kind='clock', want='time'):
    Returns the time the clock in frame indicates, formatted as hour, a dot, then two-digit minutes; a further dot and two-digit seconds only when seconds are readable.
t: 5.52
